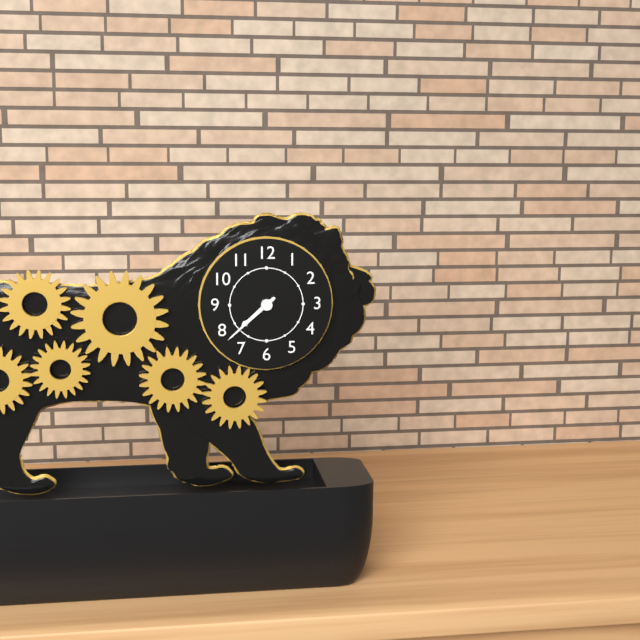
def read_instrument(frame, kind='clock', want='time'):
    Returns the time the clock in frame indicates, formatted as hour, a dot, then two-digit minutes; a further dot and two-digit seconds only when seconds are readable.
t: 7.38
